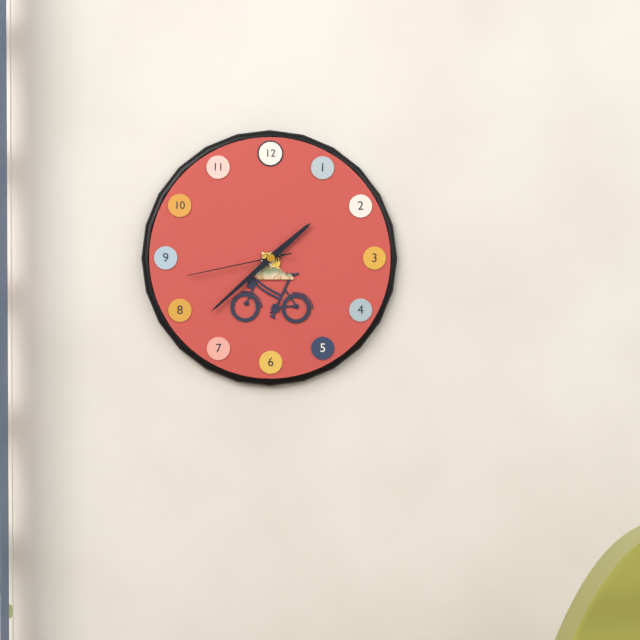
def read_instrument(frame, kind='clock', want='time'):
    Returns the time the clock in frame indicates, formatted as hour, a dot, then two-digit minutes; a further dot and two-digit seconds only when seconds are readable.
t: 1.38.43
